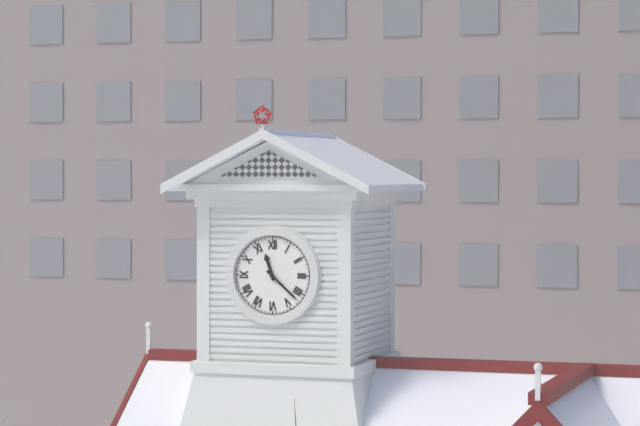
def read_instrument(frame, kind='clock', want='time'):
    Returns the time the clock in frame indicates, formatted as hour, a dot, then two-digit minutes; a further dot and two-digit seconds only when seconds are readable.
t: 11.22
